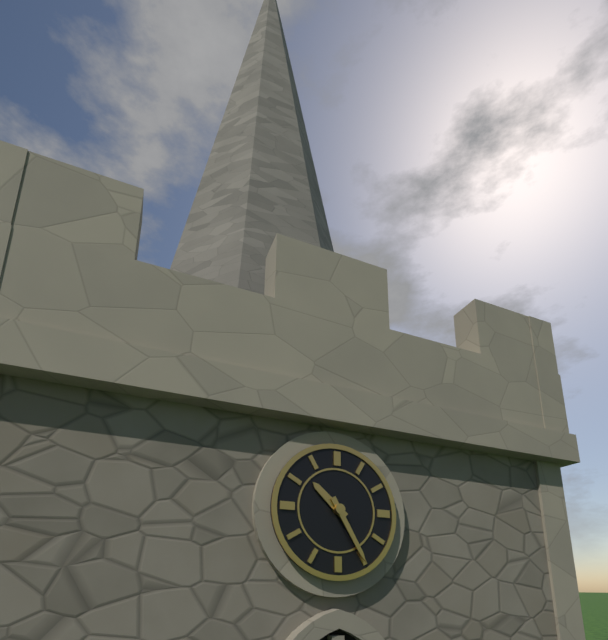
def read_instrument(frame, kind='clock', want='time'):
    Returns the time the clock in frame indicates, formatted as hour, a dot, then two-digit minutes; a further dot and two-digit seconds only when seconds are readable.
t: 10.25
